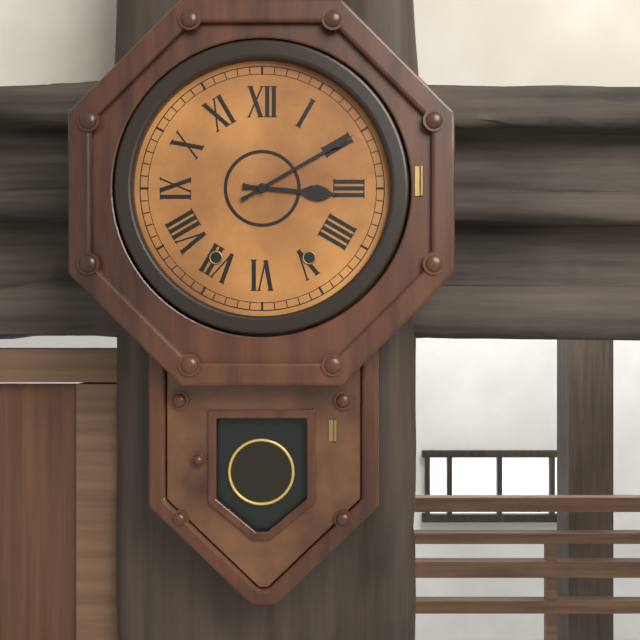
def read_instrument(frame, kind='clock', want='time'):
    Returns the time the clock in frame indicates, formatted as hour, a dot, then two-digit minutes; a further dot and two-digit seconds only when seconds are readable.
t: 3.10
